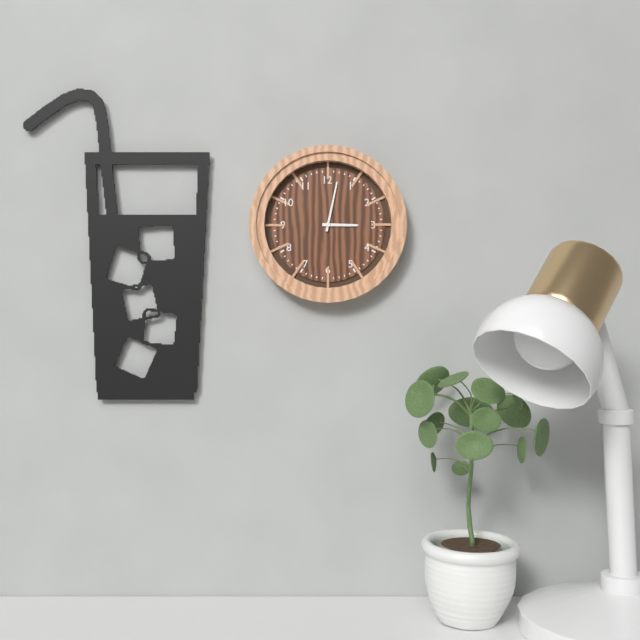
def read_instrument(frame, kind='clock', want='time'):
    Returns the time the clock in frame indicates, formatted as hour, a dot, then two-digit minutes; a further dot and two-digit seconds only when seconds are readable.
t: 3.02
